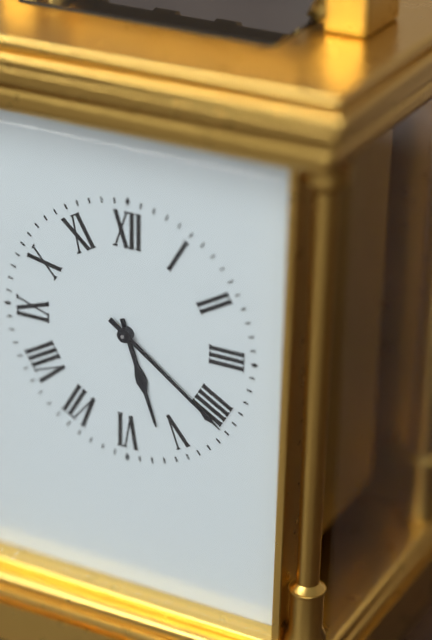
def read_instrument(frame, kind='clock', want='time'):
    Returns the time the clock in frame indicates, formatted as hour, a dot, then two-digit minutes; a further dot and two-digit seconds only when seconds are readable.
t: 5.21
